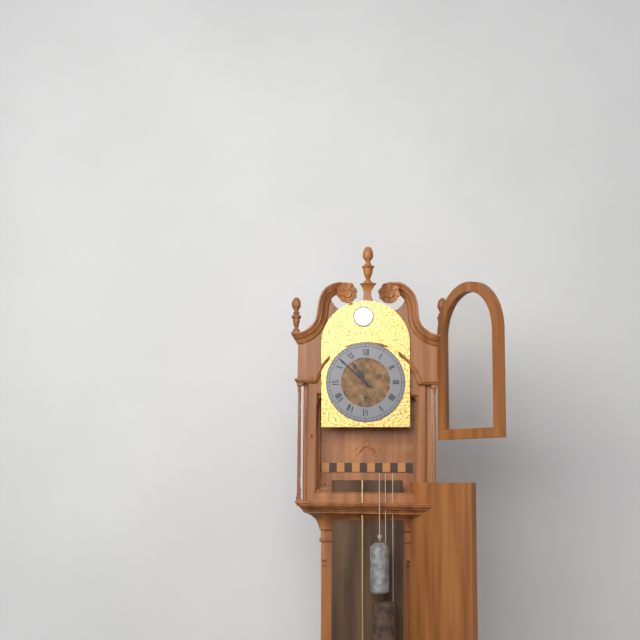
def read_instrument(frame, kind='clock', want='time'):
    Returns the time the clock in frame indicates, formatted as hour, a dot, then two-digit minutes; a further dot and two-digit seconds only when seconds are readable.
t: 10.52
